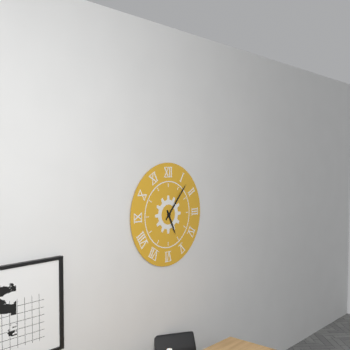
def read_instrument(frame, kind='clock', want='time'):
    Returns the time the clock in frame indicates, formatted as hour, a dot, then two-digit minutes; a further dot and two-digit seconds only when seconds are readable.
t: 5.07
